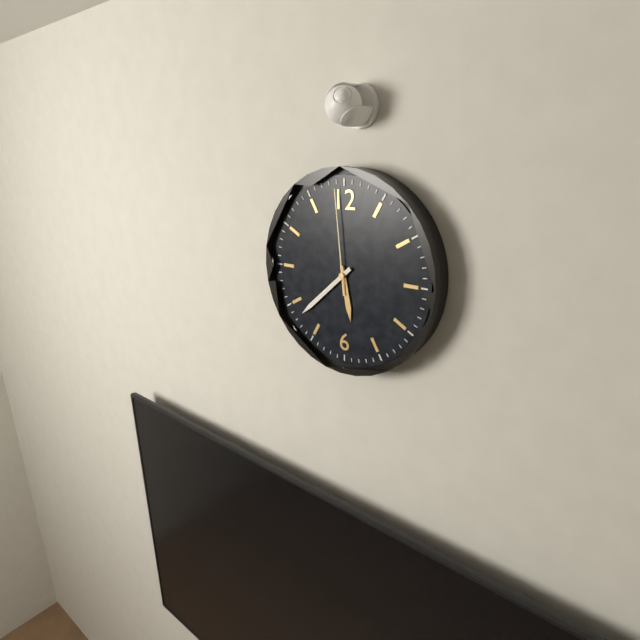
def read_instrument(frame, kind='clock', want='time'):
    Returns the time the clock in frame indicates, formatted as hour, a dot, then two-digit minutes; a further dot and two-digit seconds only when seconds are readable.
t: 5.38.59
